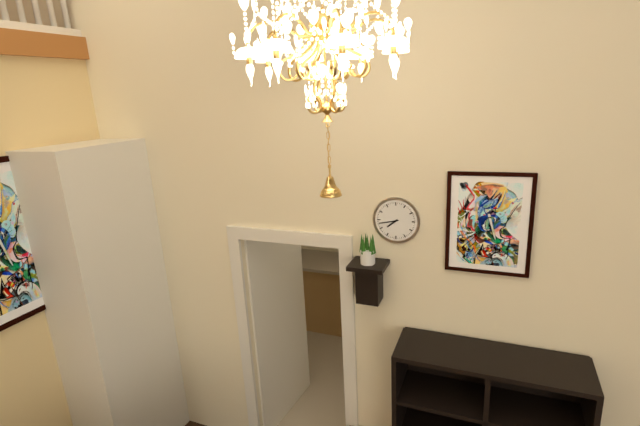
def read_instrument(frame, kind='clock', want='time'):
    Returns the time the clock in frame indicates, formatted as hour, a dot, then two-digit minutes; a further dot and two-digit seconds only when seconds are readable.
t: 7.43
